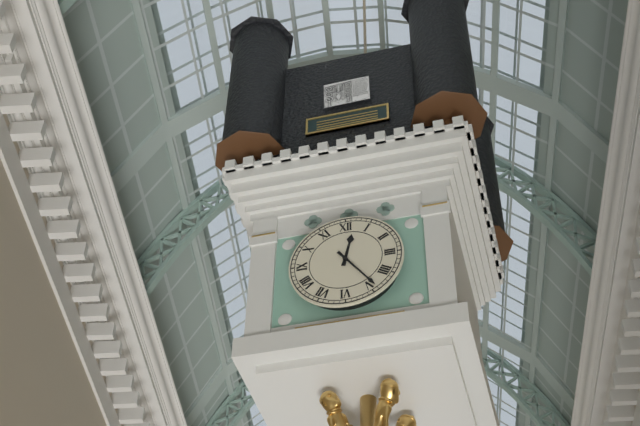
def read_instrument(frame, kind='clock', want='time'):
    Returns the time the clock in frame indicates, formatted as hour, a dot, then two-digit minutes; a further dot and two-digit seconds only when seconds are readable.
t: 12.24
